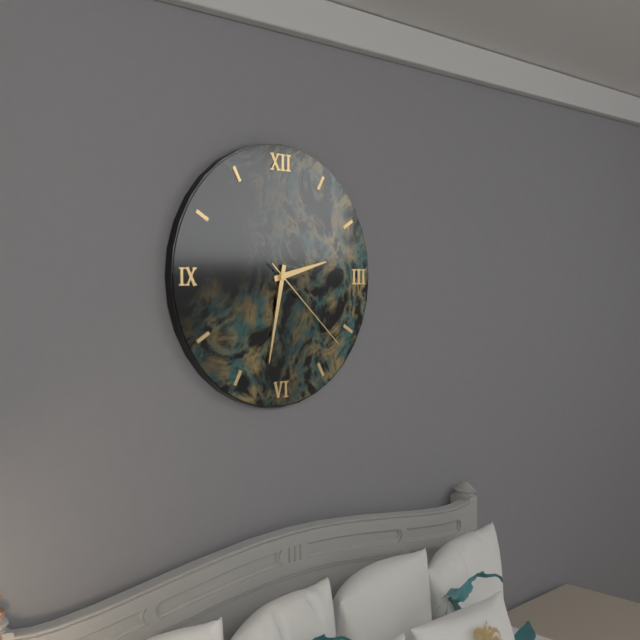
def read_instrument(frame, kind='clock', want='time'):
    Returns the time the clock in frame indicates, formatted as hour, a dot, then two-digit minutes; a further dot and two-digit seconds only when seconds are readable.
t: 2.32.22
